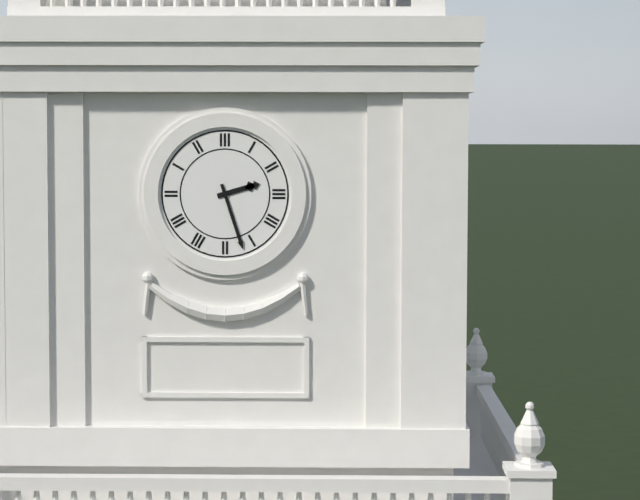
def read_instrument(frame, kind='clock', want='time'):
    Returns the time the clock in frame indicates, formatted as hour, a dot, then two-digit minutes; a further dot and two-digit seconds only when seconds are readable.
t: 2.27
